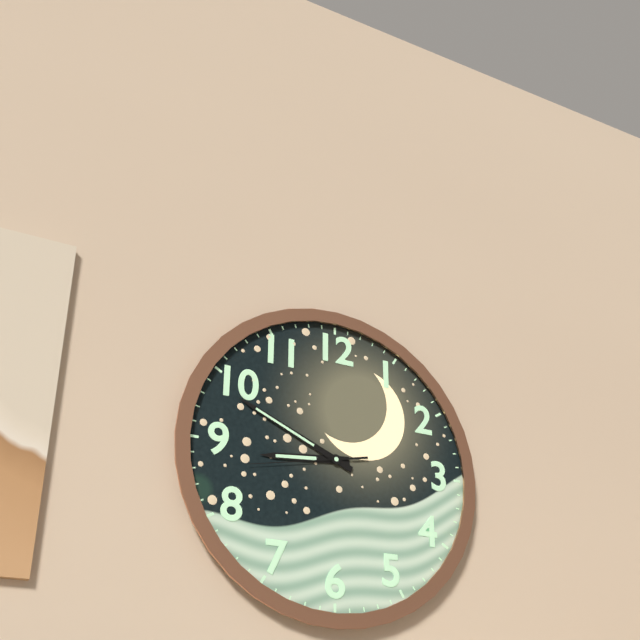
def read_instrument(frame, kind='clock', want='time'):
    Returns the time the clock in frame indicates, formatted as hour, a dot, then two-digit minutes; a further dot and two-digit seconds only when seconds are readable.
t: 8.49.43
